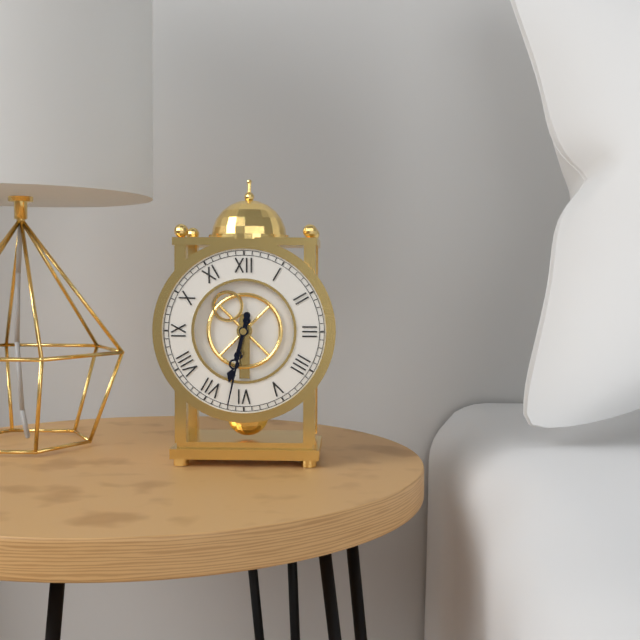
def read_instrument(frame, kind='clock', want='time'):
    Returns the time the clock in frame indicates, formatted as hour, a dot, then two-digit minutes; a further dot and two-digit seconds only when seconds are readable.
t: 6.32
